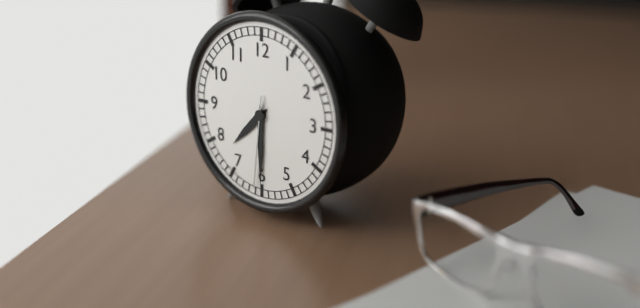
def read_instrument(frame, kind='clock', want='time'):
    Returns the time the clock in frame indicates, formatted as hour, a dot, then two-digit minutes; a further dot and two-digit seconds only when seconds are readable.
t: 7.30.31
